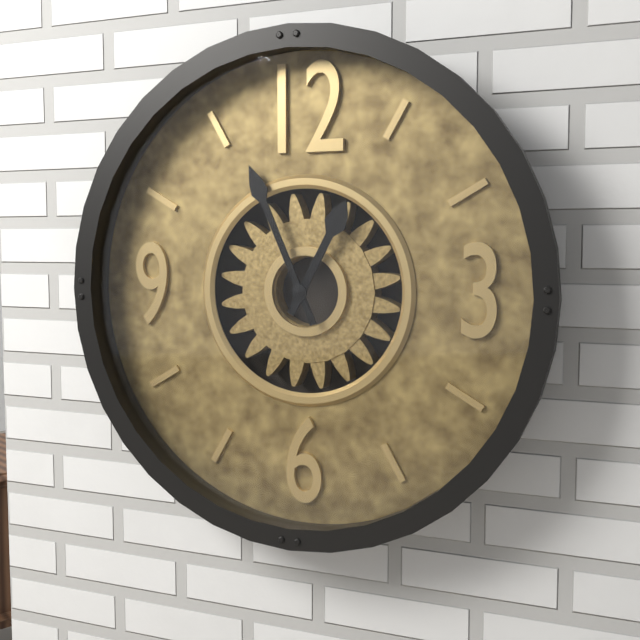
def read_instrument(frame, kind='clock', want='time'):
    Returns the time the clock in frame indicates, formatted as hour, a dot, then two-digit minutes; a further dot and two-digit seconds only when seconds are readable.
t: 12.56
